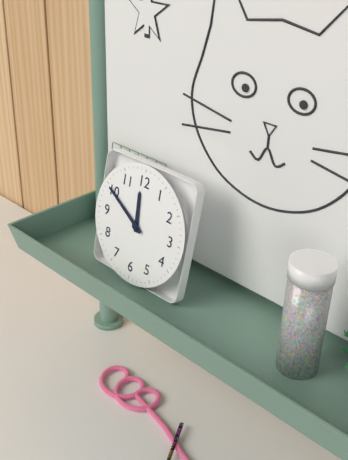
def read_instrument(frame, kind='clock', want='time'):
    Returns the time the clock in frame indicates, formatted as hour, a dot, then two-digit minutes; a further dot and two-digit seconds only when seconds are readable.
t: 11.50
